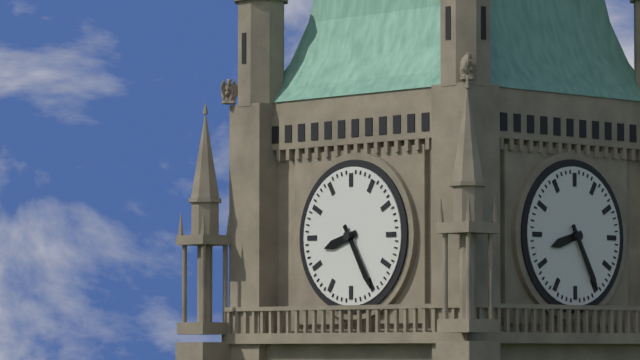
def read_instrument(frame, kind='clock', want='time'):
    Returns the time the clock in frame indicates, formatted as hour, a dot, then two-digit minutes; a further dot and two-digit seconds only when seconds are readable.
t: 8.25
